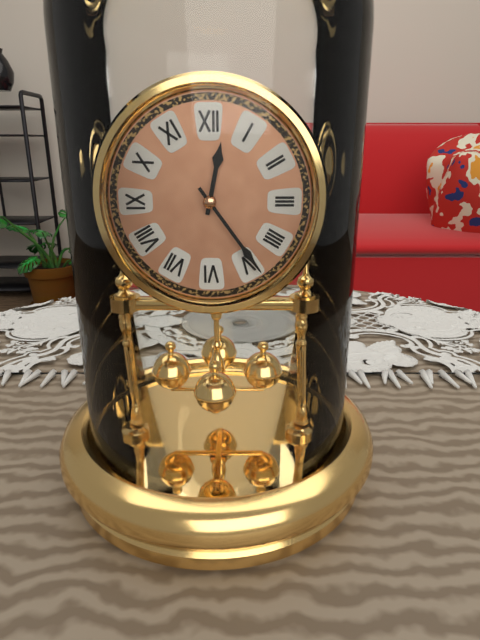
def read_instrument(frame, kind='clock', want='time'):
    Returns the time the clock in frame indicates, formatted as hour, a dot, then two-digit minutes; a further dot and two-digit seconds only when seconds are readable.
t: 12.24
